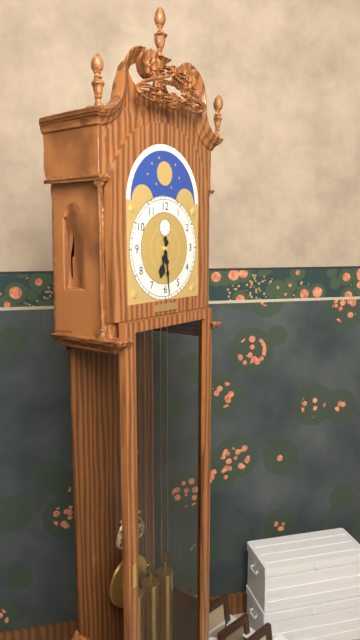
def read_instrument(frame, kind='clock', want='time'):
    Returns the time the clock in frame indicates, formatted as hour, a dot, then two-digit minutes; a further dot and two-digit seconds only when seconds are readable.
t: 6.29
